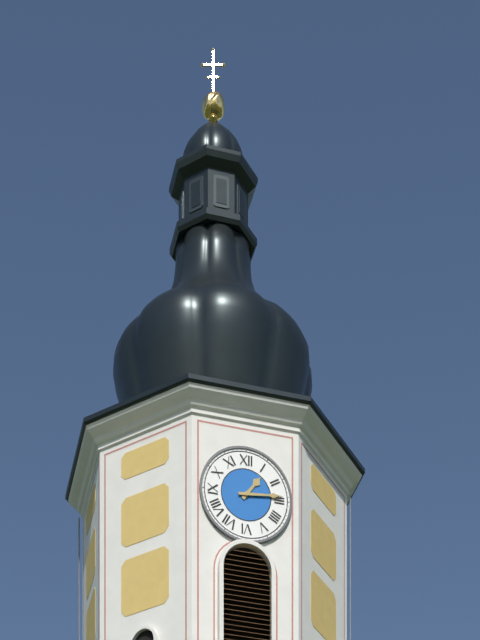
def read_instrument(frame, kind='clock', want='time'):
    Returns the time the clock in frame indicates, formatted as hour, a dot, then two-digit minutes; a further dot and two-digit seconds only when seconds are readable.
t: 1.14
